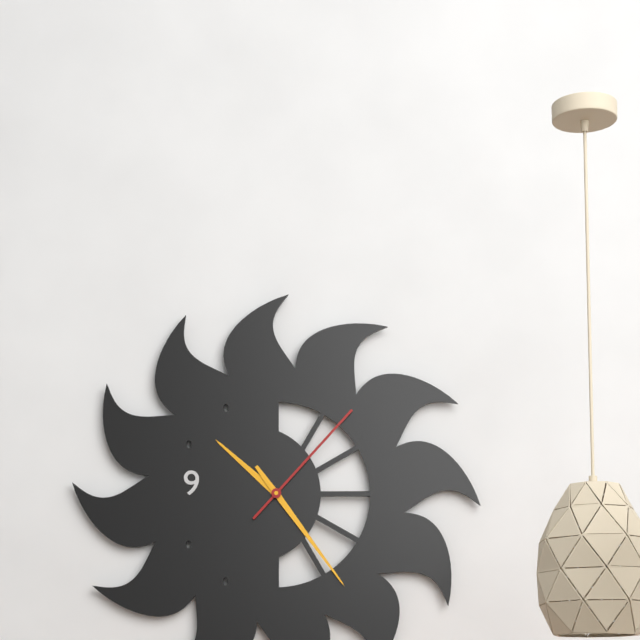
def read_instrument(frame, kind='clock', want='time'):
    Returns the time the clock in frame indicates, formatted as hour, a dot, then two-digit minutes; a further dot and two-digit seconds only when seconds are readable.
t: 10.24.07
